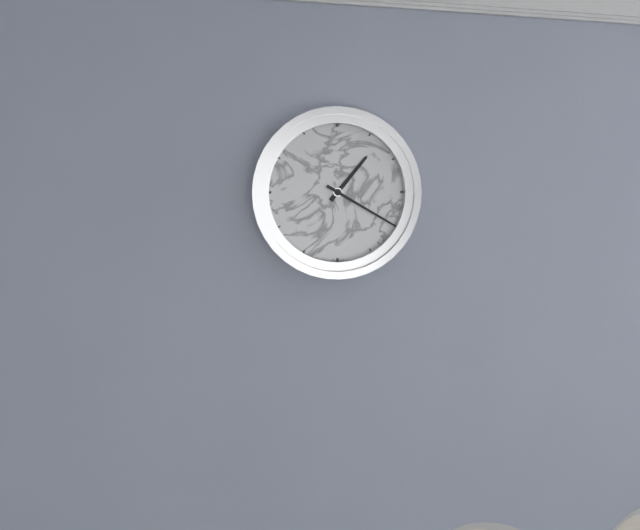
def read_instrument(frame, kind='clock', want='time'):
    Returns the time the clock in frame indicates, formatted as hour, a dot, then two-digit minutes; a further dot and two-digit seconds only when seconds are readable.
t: 1.20
